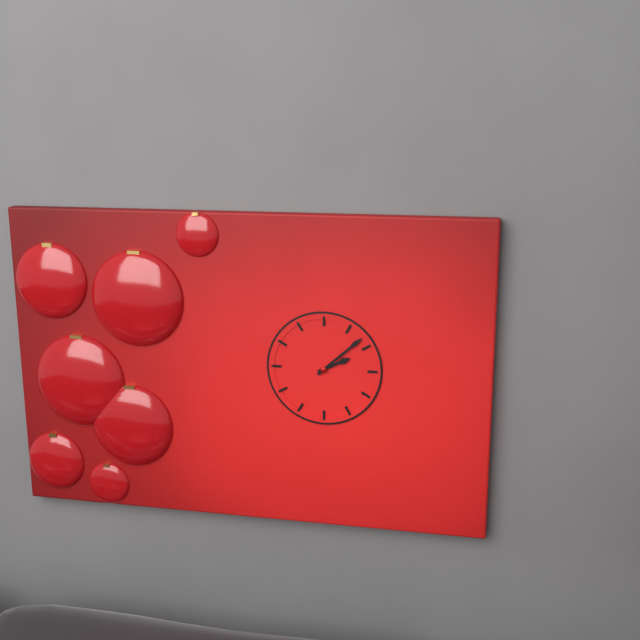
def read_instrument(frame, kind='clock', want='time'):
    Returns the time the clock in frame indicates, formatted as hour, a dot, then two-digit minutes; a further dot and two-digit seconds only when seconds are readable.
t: 2.08
